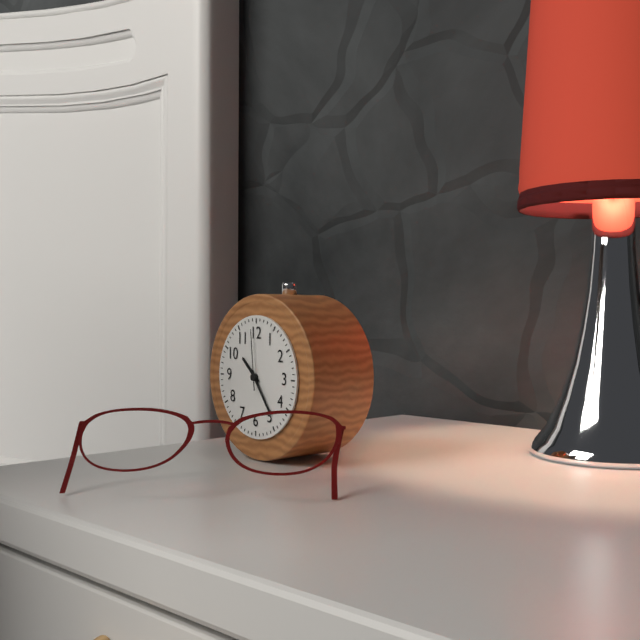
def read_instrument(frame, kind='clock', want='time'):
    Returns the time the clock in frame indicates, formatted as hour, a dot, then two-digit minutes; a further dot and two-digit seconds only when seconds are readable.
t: 10.24.59
